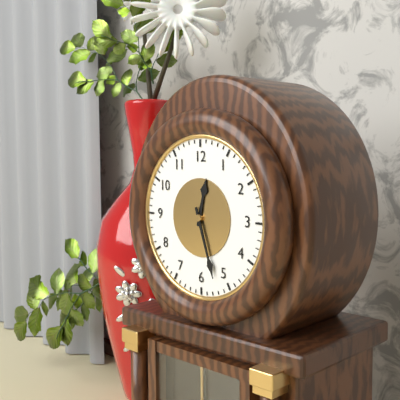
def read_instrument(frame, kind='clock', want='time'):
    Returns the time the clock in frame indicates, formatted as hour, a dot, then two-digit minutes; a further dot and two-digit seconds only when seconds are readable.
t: 12.27
